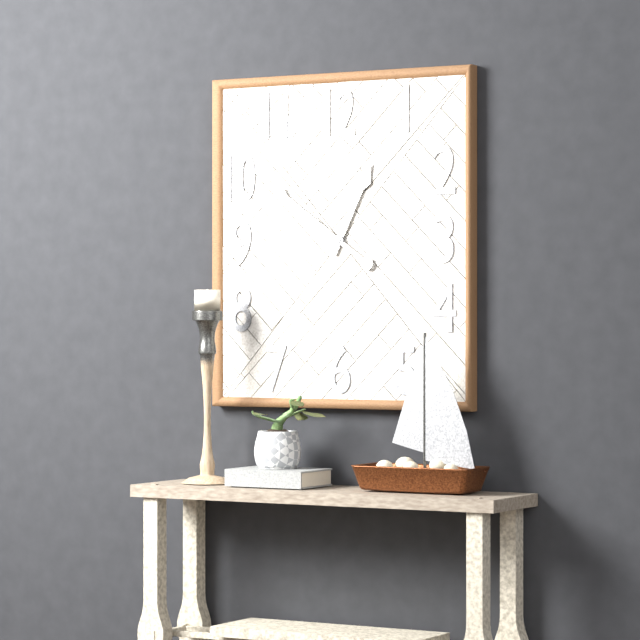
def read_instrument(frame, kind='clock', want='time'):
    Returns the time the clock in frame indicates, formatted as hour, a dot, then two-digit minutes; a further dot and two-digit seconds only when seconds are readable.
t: 12.51
